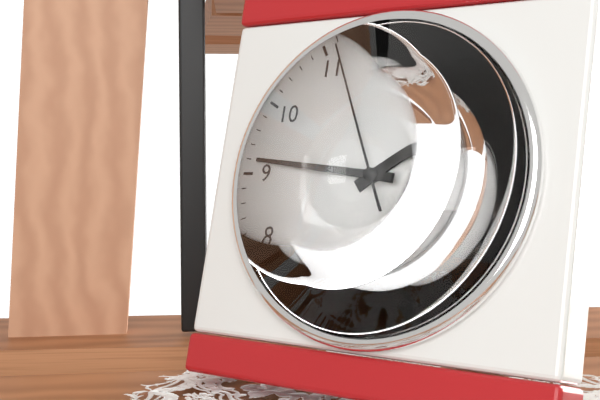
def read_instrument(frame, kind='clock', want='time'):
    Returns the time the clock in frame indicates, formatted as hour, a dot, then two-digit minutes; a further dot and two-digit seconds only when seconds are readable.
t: 1.46.56
